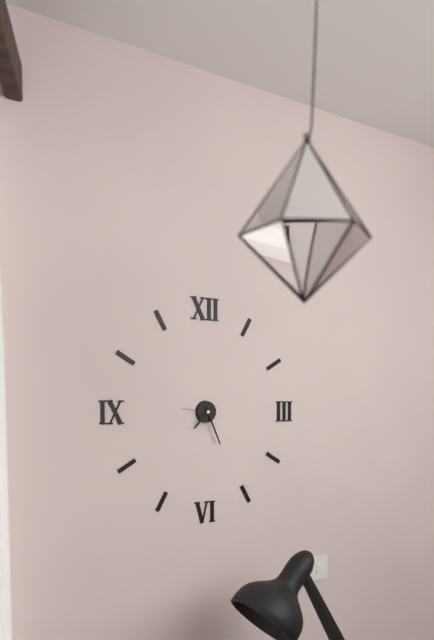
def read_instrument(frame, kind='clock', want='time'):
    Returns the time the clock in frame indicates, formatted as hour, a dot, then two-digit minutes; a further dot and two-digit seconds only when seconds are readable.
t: 7.26
